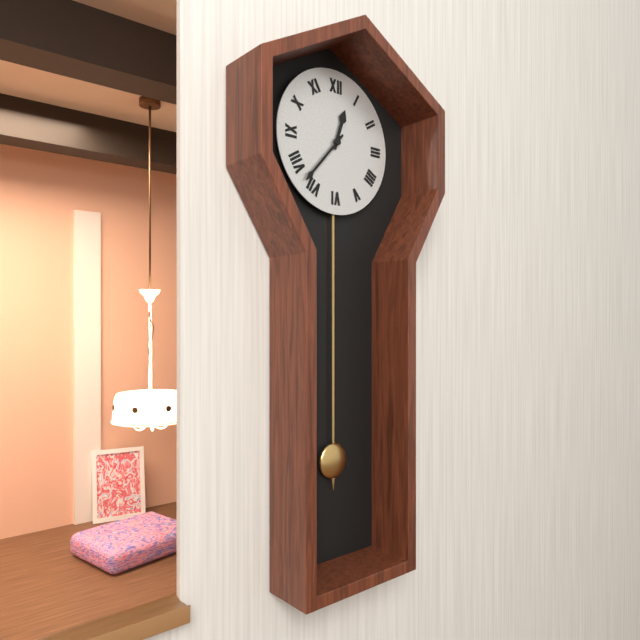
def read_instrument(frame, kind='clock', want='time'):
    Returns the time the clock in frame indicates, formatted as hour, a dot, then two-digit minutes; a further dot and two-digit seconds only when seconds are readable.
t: 12.37
